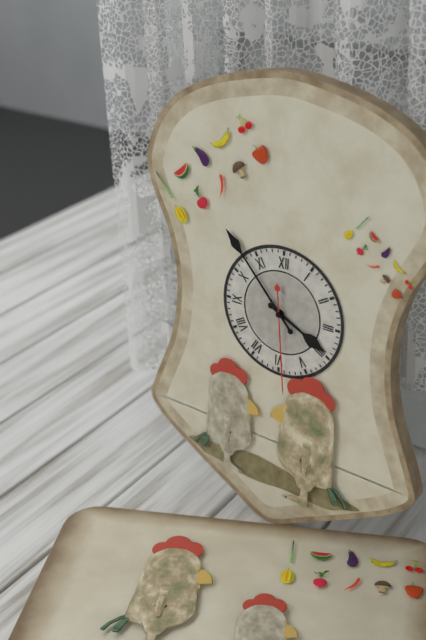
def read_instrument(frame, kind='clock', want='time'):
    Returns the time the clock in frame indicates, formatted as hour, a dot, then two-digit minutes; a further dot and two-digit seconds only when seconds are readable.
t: 3.53.29
